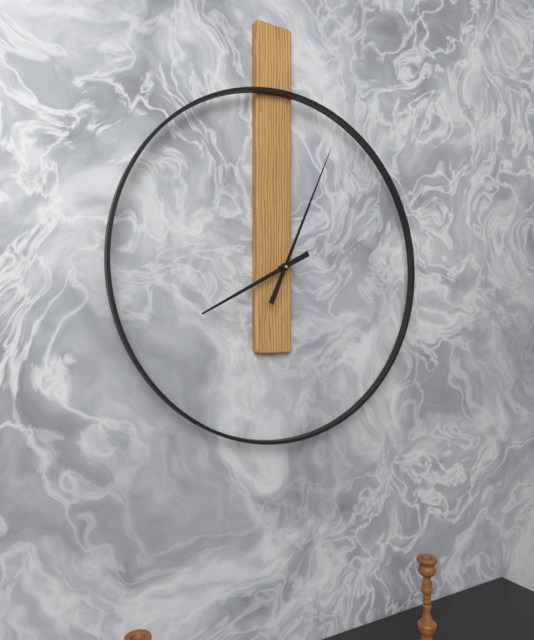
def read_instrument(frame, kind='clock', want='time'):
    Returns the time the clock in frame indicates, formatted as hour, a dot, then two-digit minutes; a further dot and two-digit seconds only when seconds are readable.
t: 8.04
